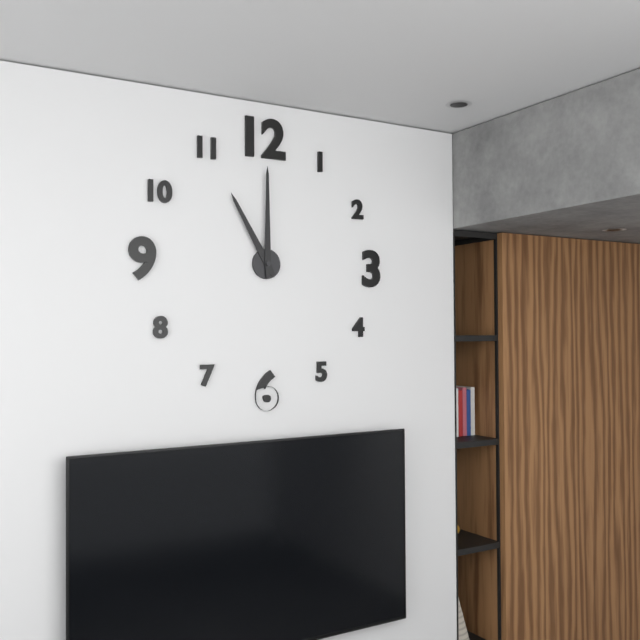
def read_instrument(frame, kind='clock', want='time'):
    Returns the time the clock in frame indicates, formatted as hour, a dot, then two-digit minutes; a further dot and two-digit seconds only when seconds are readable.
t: 11.00
